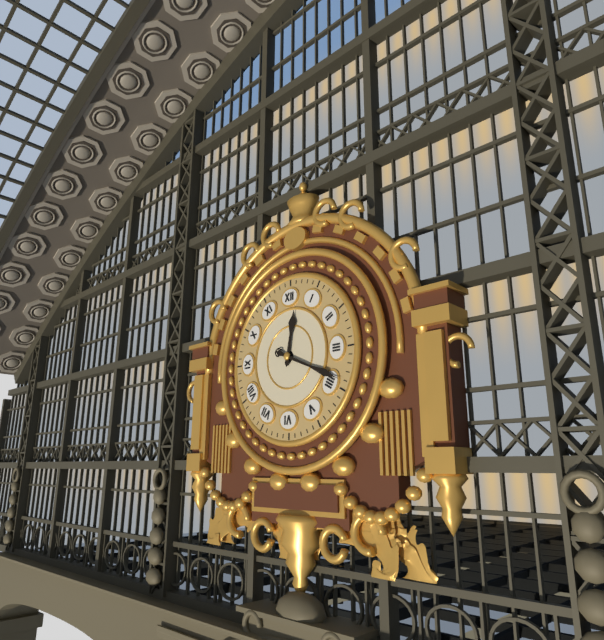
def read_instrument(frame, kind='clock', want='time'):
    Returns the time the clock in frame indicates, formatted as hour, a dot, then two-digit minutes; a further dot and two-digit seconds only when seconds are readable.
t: 12.19
